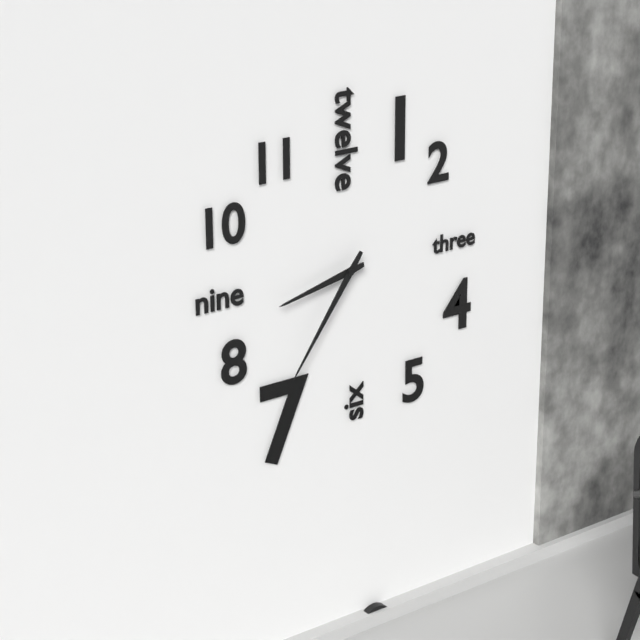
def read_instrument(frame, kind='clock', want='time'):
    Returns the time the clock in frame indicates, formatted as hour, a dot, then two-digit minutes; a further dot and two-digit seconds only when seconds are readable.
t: 8.36
